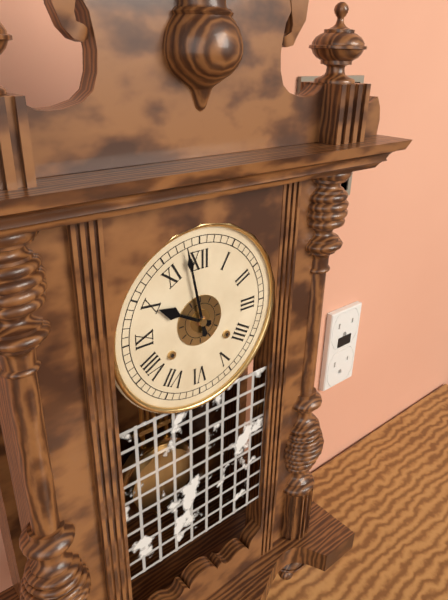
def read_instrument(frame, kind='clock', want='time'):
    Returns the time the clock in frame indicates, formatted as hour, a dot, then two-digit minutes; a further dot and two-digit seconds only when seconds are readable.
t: 9.58
